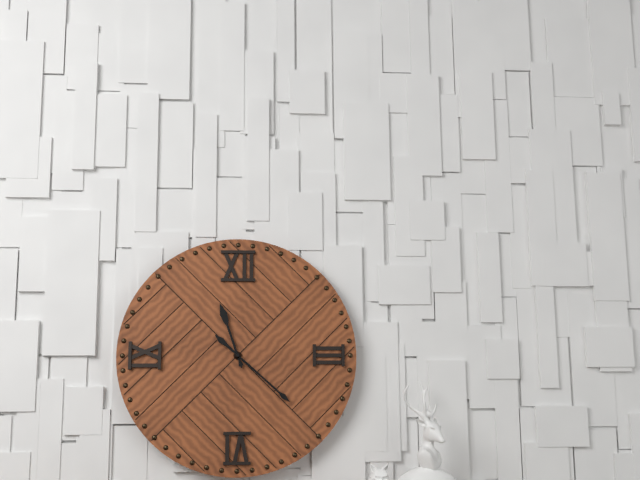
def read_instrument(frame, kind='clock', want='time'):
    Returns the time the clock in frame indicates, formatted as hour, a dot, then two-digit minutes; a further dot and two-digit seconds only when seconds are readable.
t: 11.22
